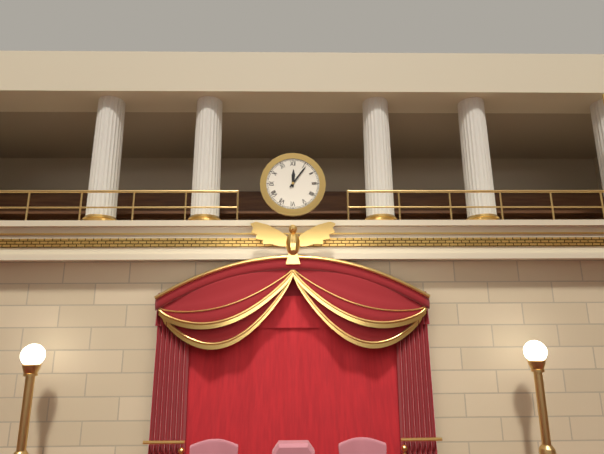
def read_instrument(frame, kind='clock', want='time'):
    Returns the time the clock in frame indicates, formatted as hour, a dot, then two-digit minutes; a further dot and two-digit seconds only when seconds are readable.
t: 12.06
